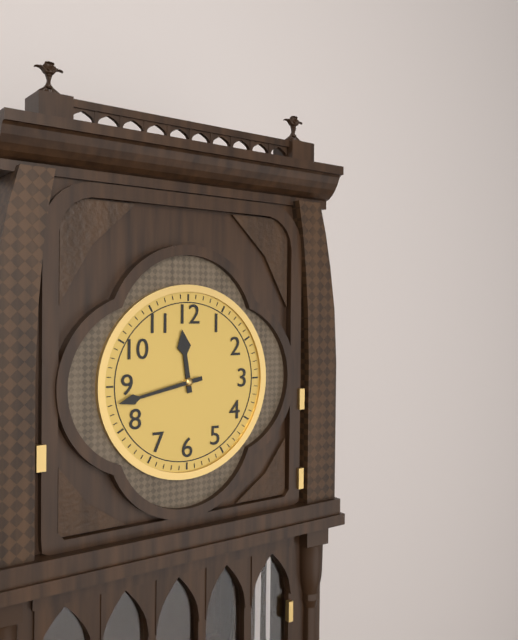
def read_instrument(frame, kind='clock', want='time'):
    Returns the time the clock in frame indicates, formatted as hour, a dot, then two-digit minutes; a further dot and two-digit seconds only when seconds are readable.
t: 11.43
